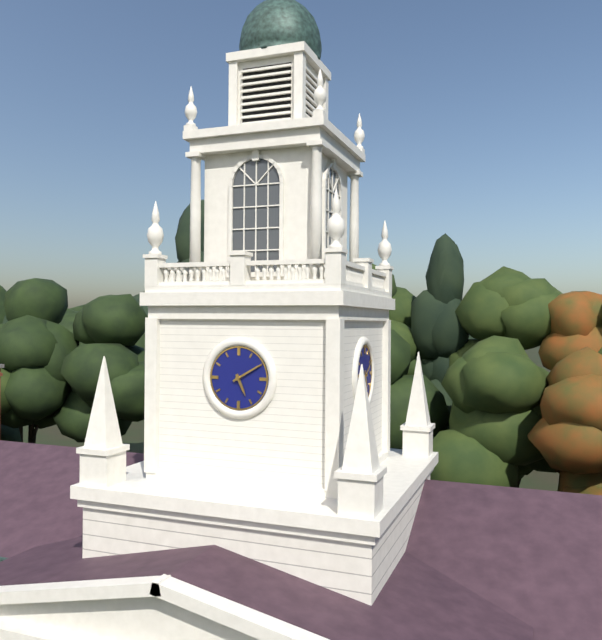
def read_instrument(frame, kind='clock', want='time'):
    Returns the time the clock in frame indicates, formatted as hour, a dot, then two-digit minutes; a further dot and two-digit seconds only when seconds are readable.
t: 5.10
